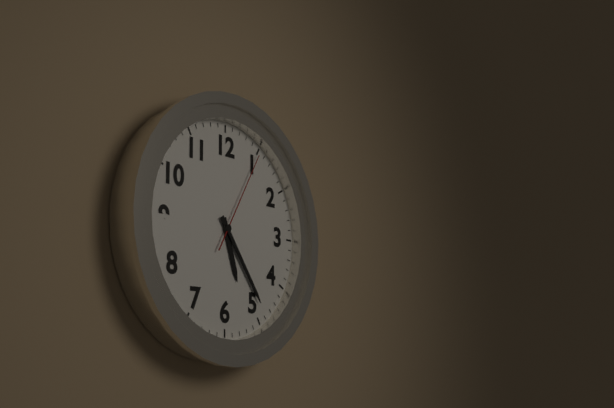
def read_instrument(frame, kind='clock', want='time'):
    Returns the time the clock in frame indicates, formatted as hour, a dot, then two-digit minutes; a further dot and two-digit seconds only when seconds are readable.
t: 5.24.05
